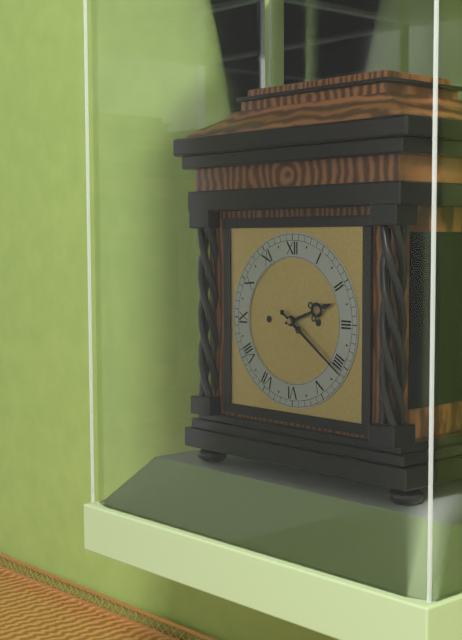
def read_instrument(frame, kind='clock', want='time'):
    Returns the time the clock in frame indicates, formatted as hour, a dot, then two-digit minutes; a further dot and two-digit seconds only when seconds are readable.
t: 2.21
